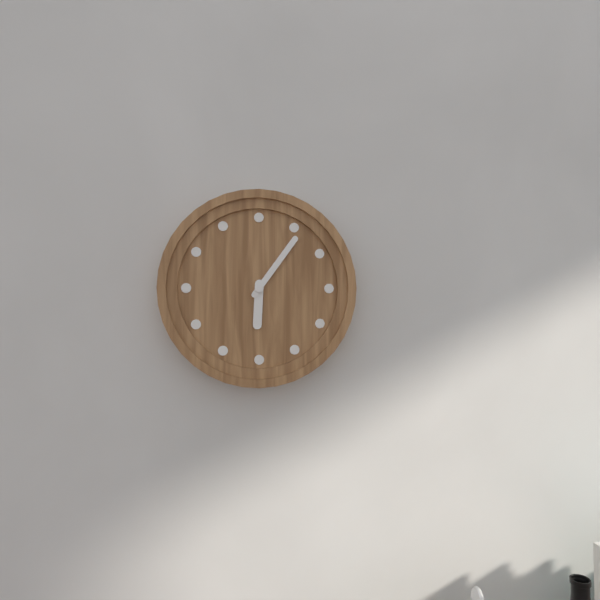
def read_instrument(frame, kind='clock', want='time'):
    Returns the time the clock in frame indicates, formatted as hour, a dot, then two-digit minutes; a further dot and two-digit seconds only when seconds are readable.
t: 6.06
